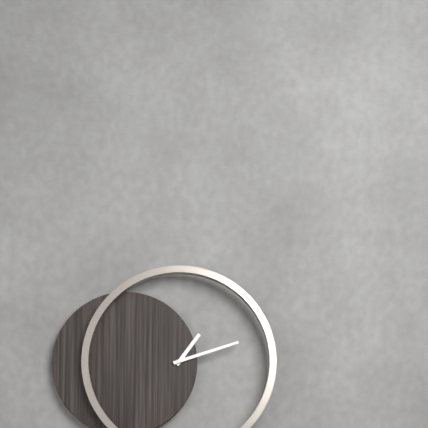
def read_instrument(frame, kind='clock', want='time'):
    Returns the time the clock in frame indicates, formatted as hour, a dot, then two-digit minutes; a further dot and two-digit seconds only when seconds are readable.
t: 1.12
